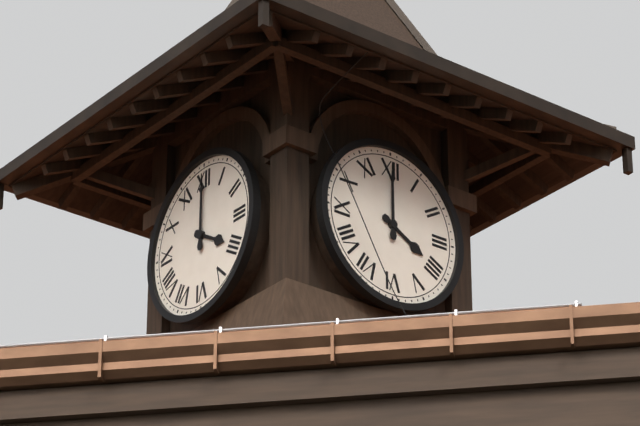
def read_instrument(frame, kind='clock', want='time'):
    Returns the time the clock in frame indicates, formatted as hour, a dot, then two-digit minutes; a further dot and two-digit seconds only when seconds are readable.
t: 4.00
